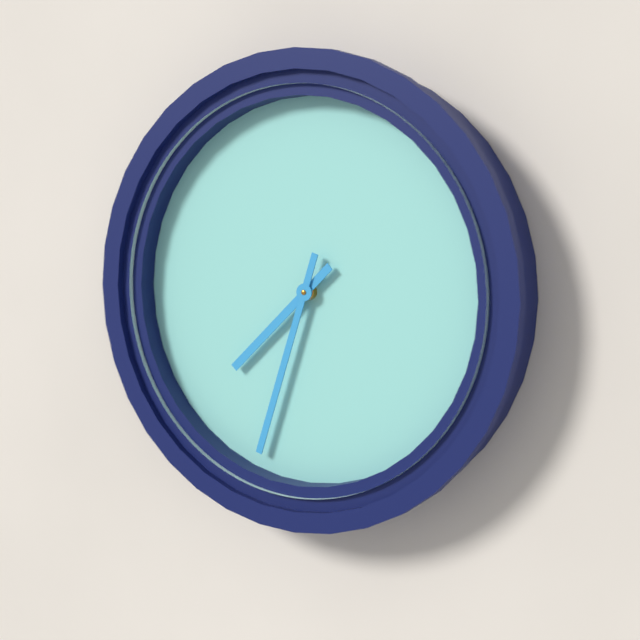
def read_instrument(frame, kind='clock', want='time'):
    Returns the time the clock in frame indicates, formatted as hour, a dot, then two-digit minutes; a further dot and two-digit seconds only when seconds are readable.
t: 7.33
